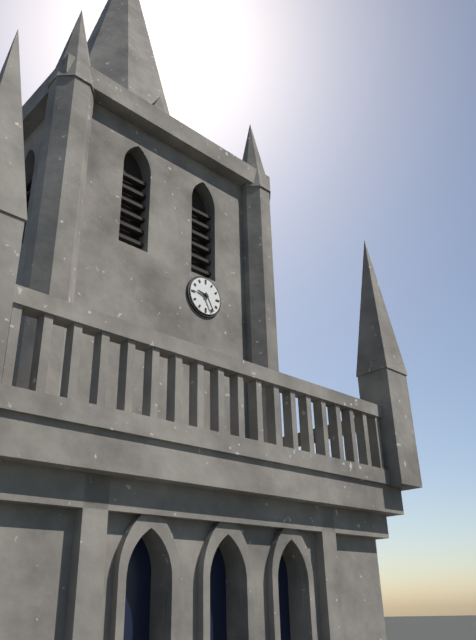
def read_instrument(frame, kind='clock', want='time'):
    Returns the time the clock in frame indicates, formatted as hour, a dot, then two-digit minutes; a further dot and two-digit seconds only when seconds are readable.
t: 9.25
